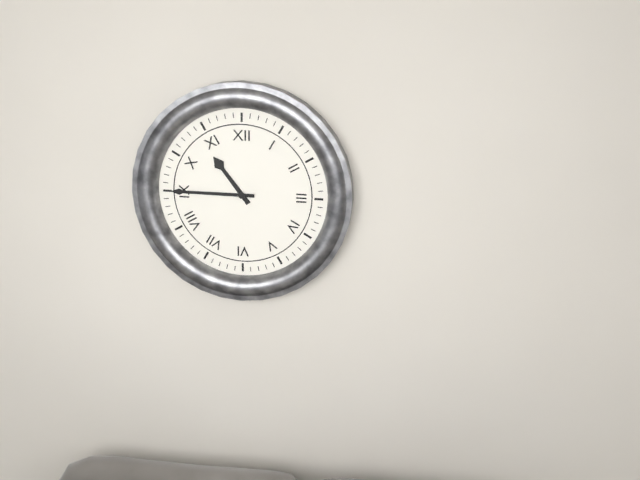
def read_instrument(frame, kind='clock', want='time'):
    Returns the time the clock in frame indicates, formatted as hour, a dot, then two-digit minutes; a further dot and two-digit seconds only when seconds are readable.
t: 10.45
